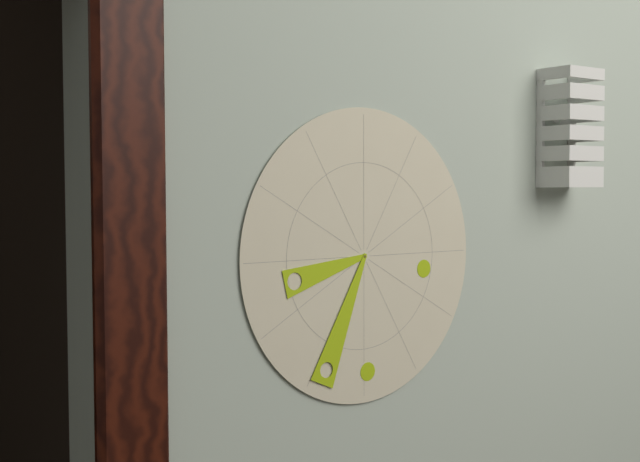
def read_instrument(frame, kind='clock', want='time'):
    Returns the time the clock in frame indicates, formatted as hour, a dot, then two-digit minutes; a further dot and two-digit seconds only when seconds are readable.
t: 8.34
